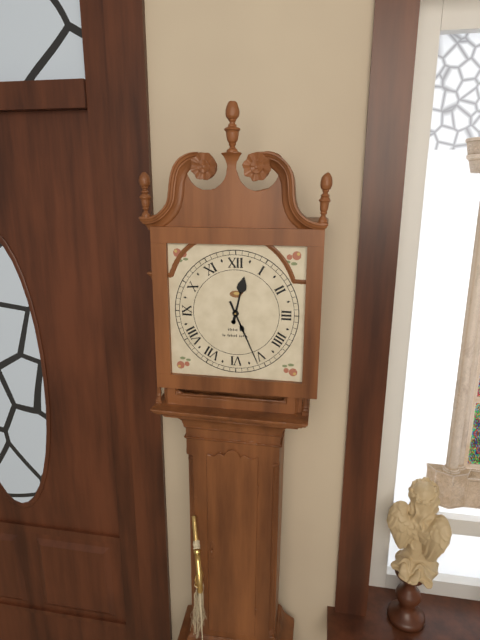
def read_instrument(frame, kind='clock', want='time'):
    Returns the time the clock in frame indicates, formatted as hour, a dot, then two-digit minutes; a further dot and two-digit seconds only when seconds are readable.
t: 12.26
